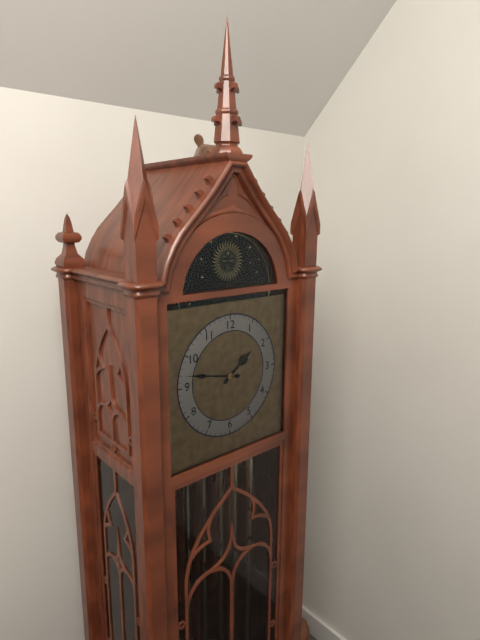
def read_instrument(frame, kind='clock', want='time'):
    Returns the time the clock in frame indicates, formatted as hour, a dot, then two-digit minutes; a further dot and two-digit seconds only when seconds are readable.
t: 1.47
